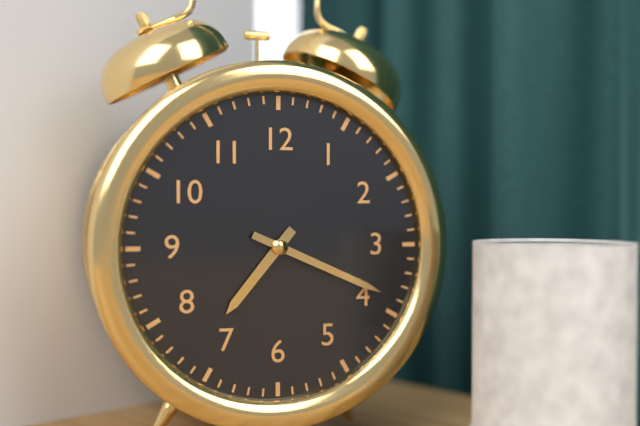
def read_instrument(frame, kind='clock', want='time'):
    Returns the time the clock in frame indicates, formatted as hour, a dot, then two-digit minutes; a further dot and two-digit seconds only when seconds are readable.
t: 7.19
